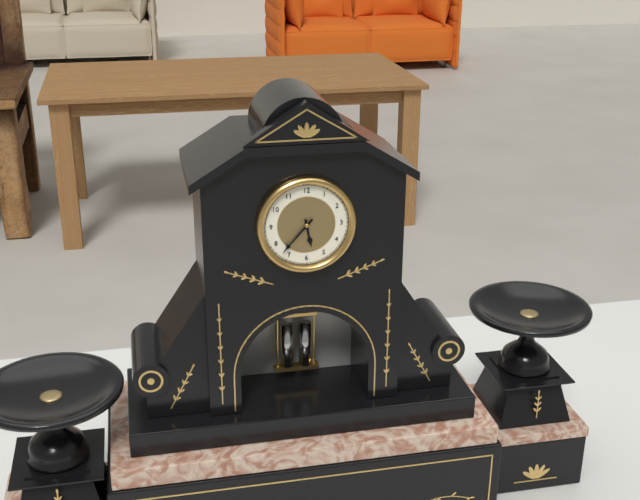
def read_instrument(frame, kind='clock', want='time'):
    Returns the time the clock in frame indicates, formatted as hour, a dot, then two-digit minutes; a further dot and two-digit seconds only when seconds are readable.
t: 5.37
